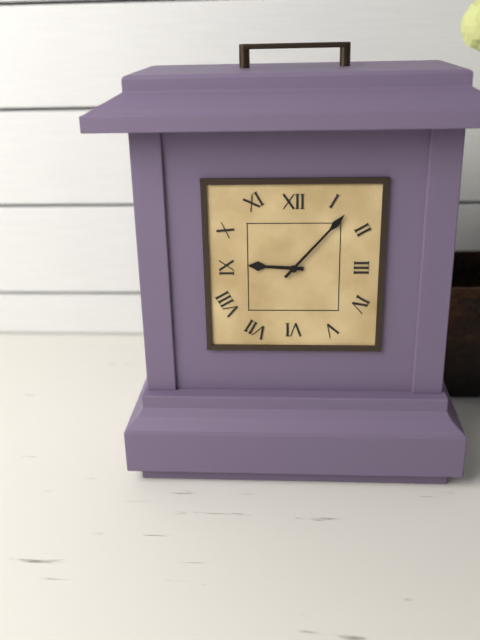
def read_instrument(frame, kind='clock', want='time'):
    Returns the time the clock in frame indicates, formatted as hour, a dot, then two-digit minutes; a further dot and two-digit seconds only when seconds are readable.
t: 9.07
